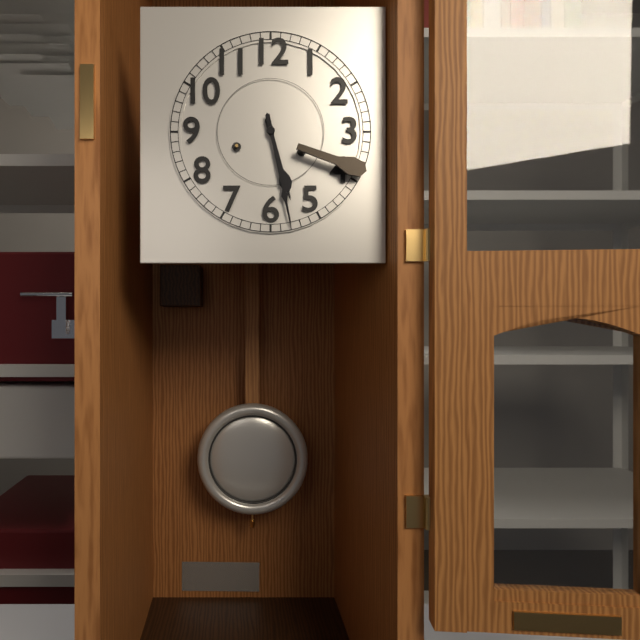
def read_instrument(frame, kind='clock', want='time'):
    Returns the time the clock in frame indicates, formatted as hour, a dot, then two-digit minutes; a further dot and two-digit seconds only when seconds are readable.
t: 5.28
